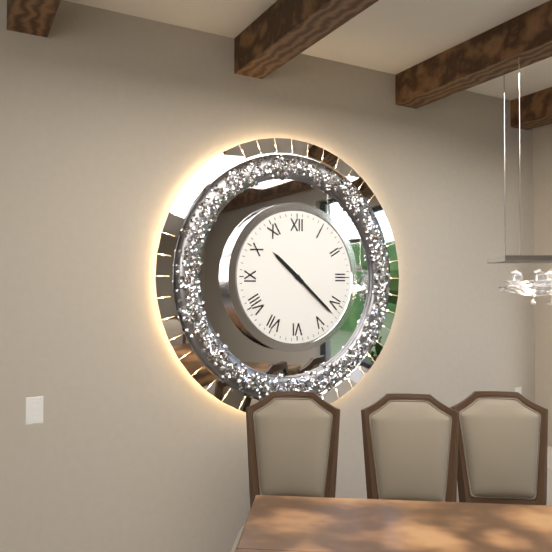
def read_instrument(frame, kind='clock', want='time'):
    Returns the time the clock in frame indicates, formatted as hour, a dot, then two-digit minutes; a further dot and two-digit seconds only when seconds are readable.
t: 10.22
